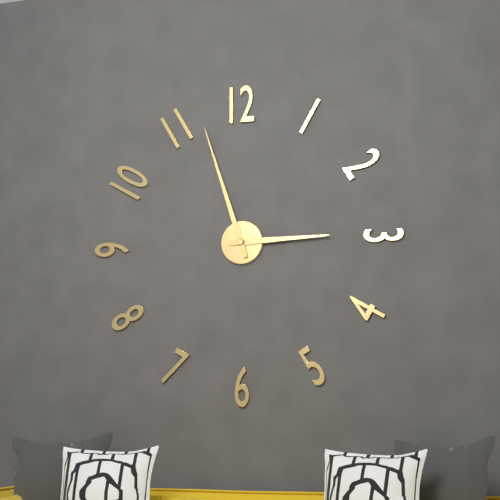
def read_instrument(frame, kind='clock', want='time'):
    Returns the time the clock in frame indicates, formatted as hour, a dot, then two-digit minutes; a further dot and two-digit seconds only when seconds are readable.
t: 2.57
